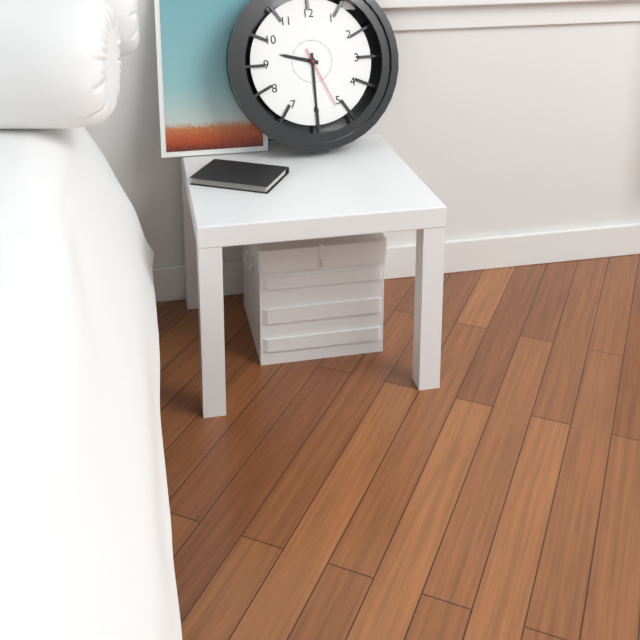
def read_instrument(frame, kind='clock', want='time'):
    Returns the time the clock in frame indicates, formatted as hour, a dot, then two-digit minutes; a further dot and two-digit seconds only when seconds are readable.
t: 9.30.26
